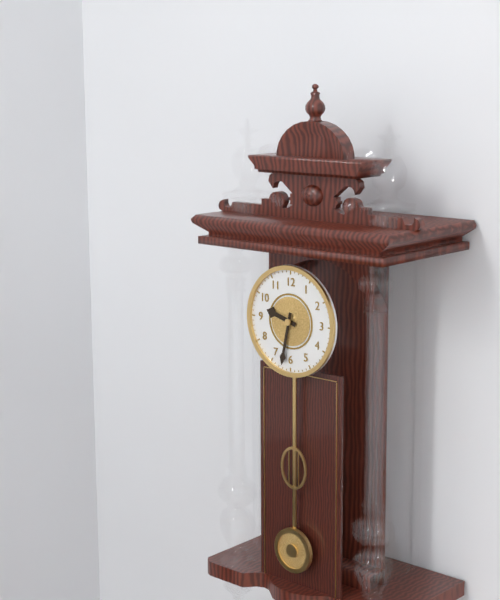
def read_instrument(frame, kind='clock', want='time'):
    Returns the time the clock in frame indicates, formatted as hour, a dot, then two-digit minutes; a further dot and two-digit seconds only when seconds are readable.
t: 9.32
